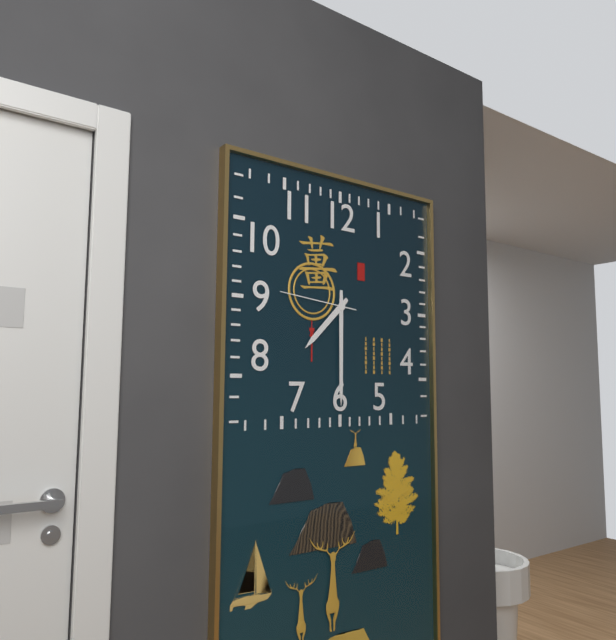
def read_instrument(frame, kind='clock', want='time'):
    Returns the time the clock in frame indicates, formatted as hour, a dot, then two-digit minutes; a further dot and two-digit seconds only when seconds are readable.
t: 7.30.46
